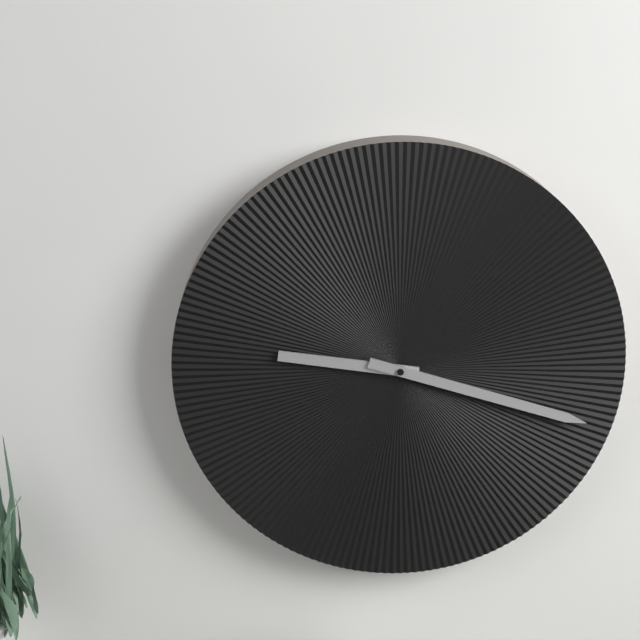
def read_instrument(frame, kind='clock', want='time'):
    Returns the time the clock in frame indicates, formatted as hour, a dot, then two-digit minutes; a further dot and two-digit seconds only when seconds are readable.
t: 9.18
